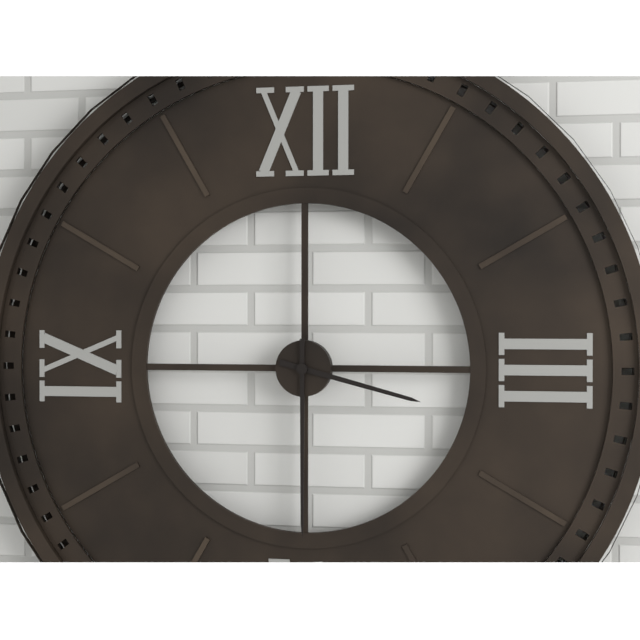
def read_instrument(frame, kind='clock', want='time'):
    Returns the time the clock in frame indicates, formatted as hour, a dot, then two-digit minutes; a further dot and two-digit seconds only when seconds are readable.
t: 3.30
